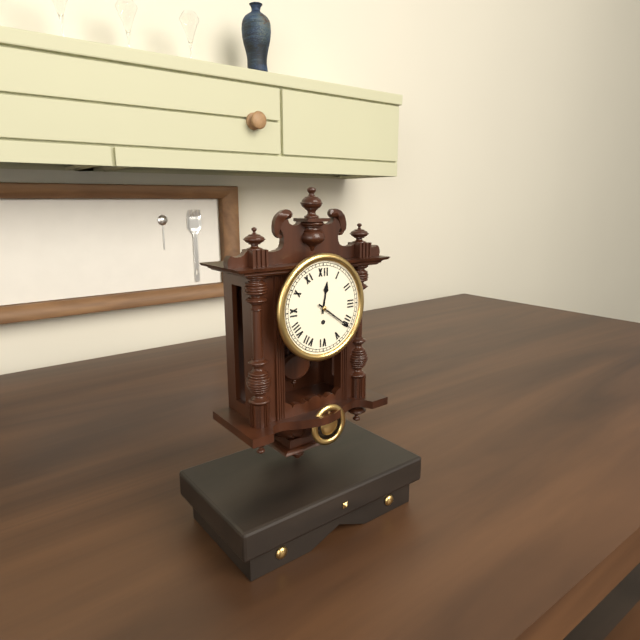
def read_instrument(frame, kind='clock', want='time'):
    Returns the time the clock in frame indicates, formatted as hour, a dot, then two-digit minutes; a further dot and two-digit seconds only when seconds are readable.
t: 12.21
